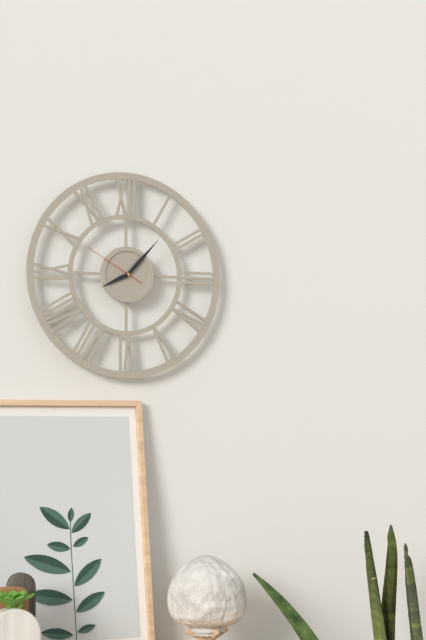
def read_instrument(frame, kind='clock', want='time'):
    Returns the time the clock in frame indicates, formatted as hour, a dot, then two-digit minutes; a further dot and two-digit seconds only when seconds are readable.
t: 8.07.50
